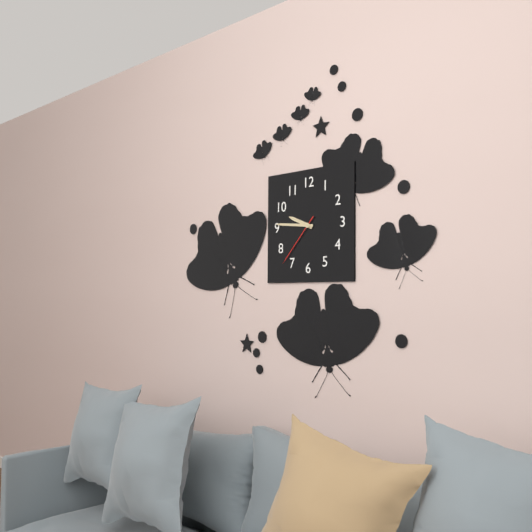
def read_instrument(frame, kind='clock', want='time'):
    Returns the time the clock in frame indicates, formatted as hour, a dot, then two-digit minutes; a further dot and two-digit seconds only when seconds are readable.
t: 9.46.37
